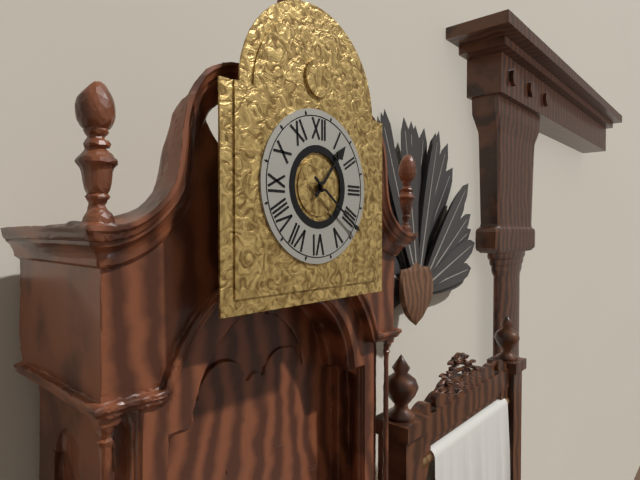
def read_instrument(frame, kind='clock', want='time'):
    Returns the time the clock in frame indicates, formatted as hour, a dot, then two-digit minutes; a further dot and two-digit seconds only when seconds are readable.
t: 1.21
